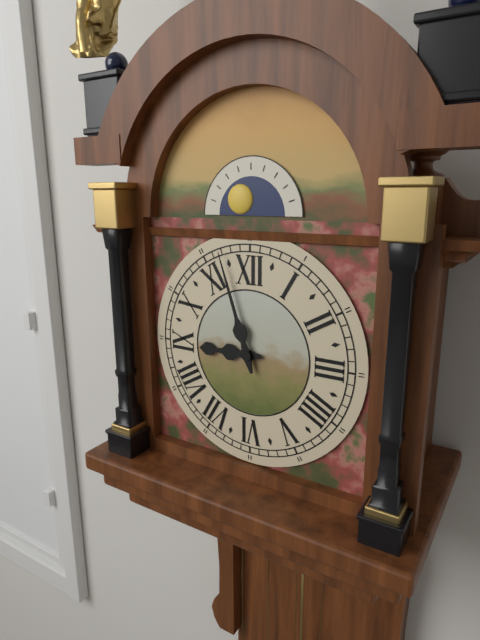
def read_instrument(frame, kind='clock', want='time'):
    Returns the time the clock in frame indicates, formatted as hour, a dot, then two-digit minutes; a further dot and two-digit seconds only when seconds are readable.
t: 8.57
